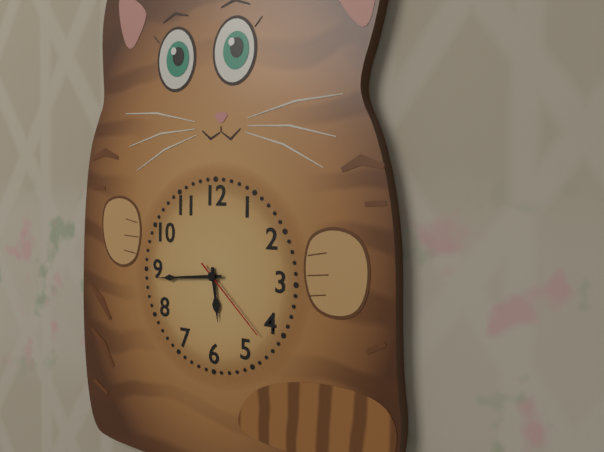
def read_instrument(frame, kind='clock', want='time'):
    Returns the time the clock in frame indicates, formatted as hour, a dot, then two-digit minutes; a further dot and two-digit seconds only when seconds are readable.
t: 5.44.22
